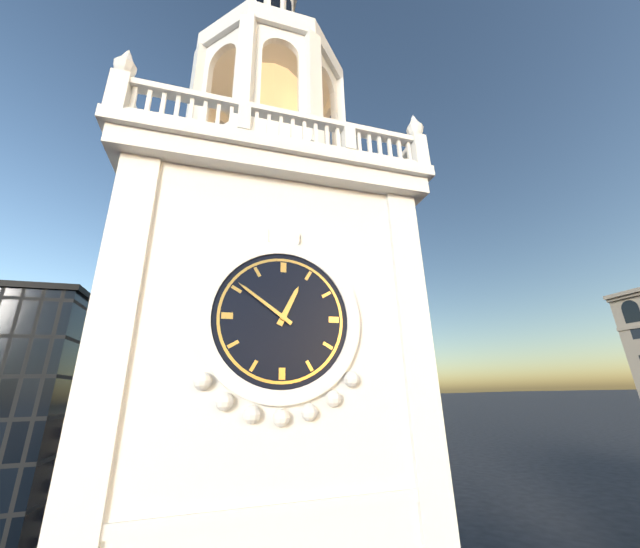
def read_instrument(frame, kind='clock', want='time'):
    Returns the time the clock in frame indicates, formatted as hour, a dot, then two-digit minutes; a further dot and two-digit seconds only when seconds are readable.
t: 12.51
